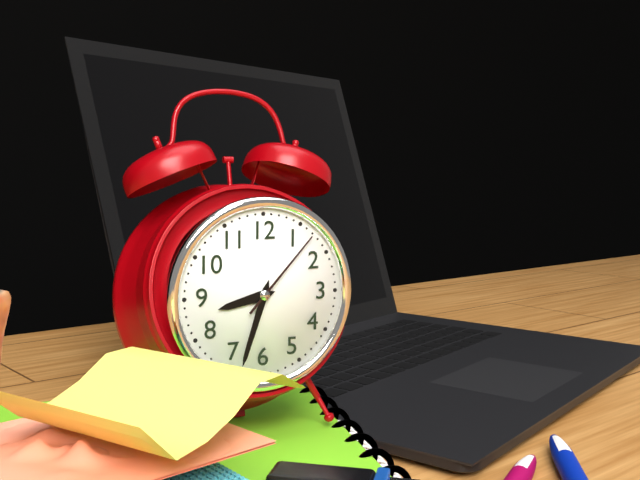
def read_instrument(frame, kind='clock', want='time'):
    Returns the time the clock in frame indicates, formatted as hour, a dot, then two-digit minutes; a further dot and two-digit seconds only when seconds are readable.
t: 8.33.07
